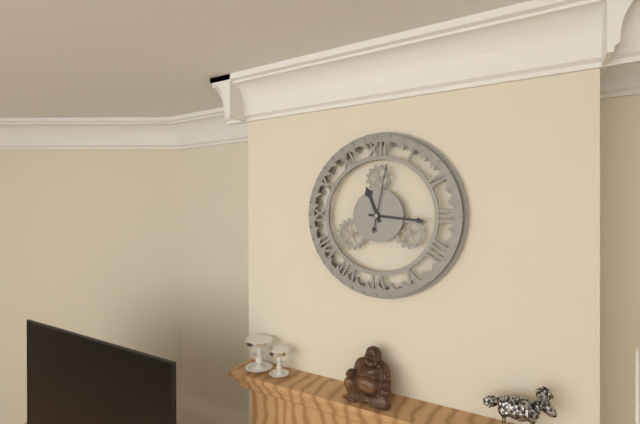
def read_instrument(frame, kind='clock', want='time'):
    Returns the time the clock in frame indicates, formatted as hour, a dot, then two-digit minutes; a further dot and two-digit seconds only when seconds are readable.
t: 11.16.02
